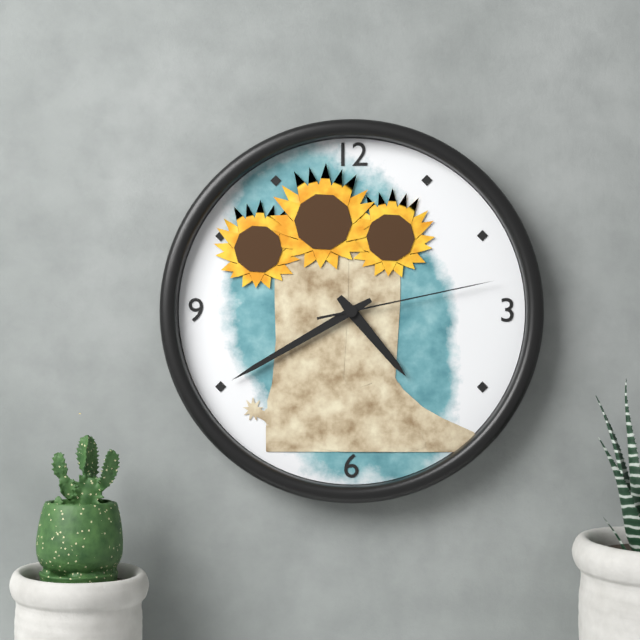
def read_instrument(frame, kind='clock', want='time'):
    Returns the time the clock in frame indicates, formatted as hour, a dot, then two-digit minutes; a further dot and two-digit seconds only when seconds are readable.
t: 4.40.13
